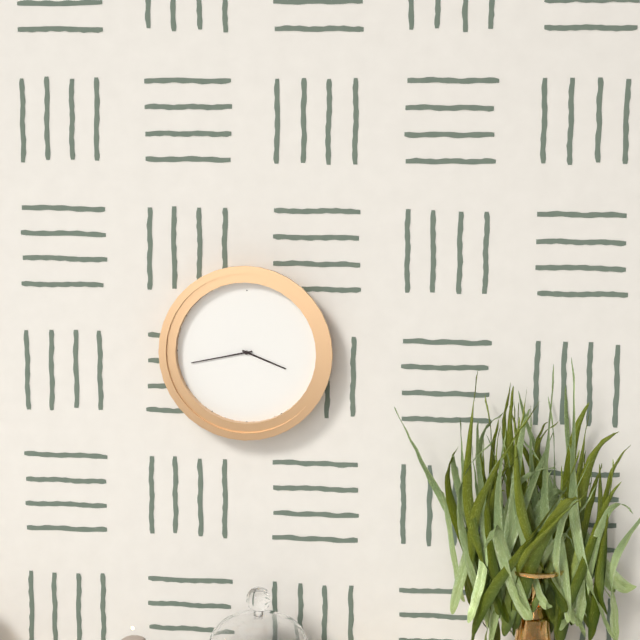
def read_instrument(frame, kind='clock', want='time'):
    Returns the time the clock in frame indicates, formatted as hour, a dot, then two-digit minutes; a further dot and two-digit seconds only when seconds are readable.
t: 3.43
